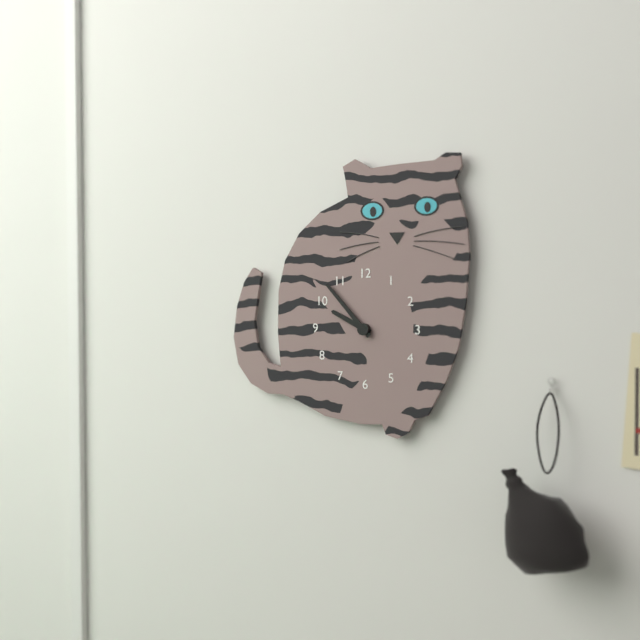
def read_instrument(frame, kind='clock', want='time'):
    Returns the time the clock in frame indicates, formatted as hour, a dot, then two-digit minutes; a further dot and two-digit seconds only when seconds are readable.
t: 9.53
